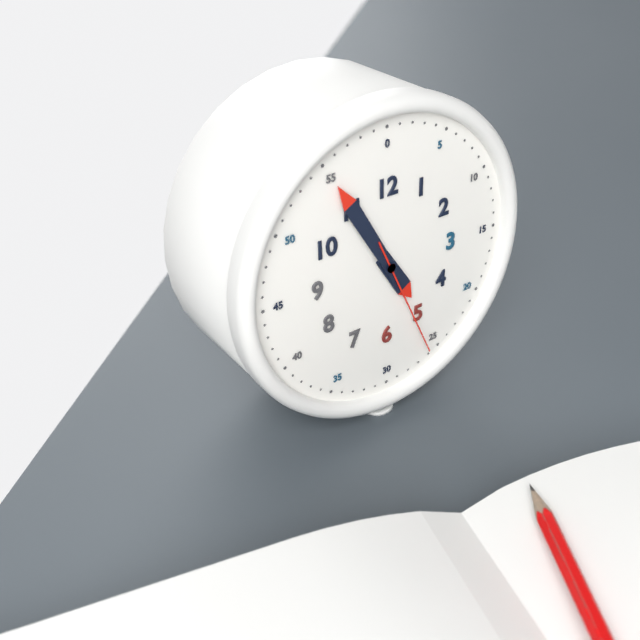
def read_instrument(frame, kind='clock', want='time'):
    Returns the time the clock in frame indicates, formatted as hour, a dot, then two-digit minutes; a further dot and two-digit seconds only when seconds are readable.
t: 4.55.26
